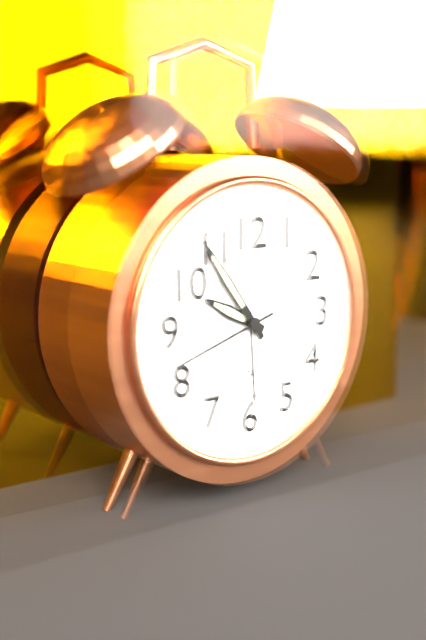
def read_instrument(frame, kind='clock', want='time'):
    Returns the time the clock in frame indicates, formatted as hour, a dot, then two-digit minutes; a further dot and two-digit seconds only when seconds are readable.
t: 9.54.42
